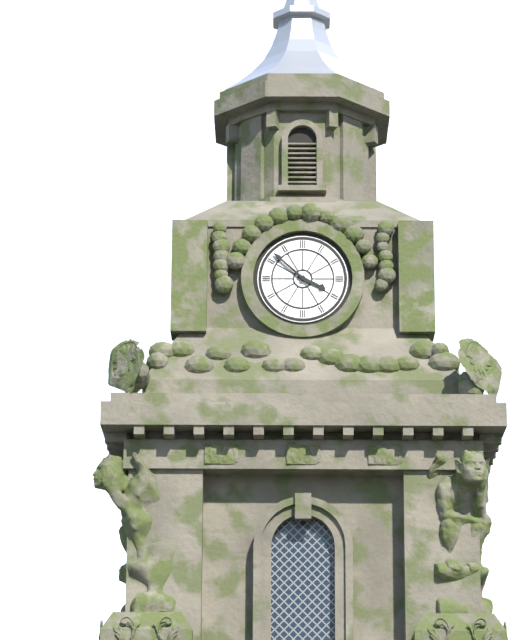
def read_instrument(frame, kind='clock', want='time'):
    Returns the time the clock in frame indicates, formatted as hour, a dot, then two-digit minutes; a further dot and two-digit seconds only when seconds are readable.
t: 3.52
